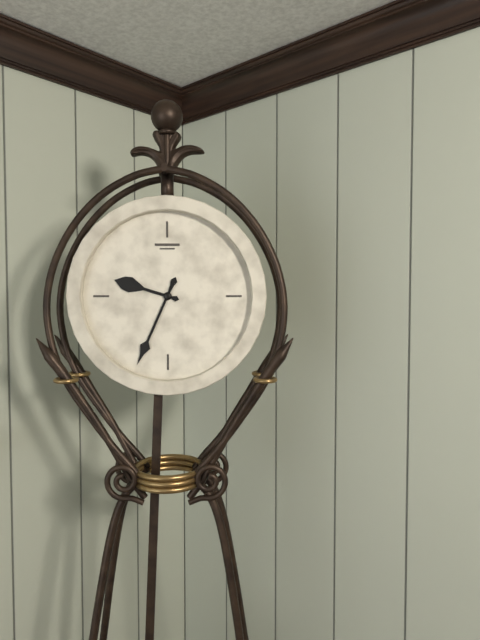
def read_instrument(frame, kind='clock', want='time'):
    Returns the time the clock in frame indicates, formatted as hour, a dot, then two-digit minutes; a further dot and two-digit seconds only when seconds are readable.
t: 9.34
